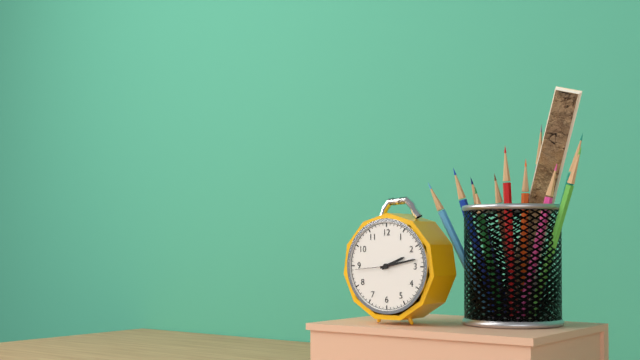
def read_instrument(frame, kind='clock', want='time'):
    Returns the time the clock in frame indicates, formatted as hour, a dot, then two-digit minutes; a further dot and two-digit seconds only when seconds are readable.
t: 2.13
